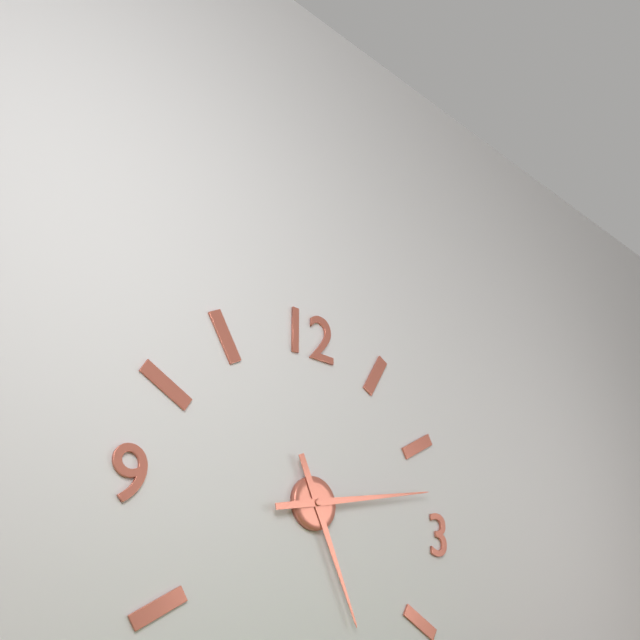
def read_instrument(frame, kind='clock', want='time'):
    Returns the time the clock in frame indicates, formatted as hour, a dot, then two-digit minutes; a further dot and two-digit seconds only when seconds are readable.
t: 5.13
